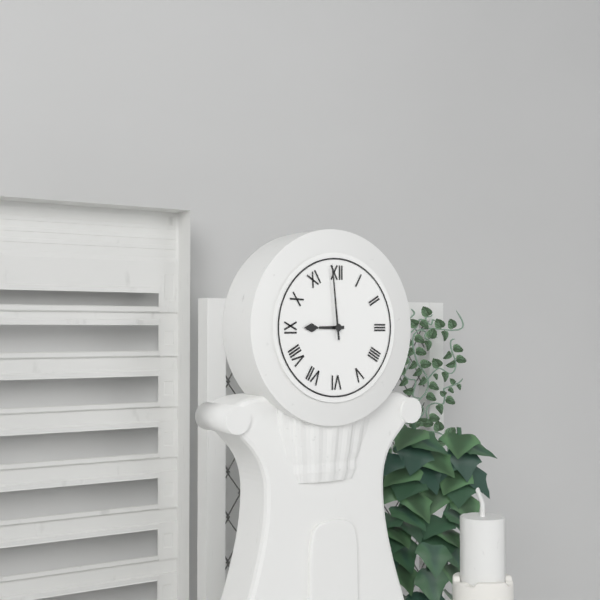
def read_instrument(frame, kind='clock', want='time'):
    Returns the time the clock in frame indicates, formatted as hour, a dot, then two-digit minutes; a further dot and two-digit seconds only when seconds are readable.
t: 8.59
